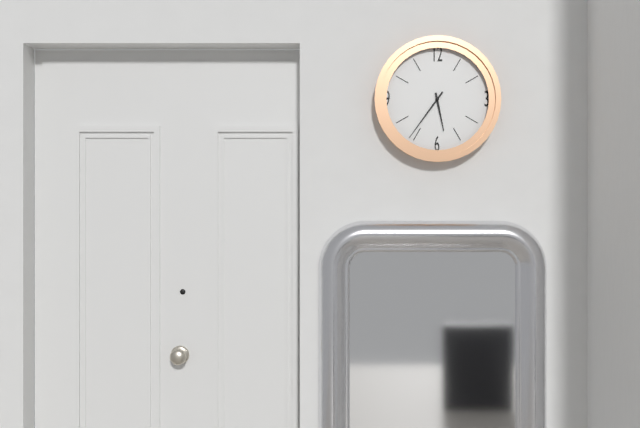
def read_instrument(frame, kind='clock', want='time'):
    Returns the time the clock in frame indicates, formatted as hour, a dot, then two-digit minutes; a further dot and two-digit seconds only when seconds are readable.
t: 5.36
